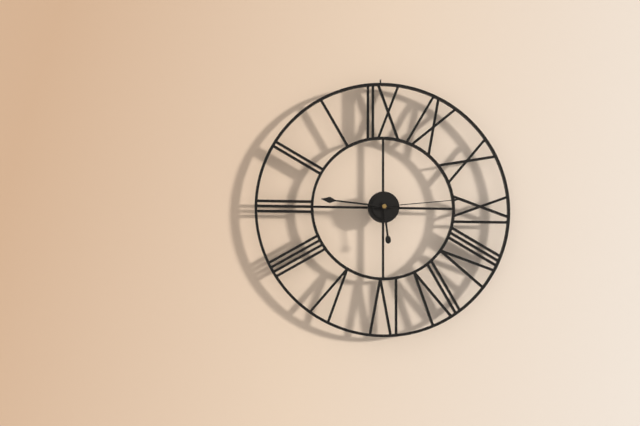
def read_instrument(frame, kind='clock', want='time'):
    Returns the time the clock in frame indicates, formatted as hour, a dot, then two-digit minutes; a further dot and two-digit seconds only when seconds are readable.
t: 5.46.14
